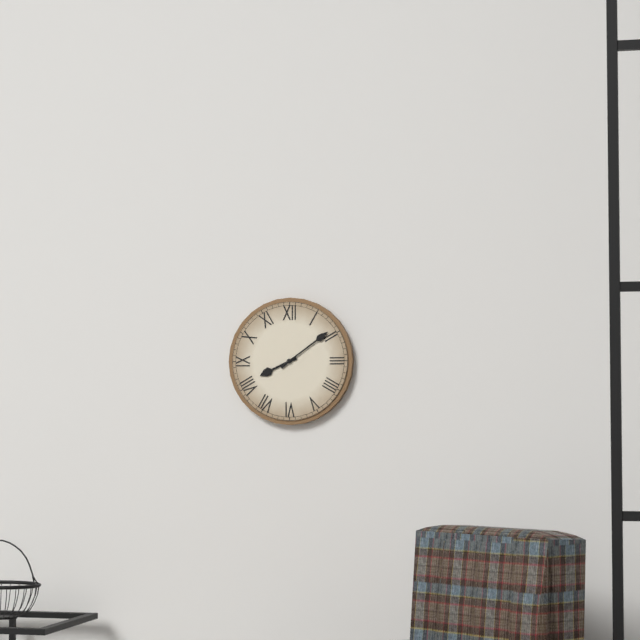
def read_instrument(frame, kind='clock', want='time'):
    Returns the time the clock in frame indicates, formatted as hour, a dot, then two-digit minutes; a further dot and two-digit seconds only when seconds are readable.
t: 8.09
